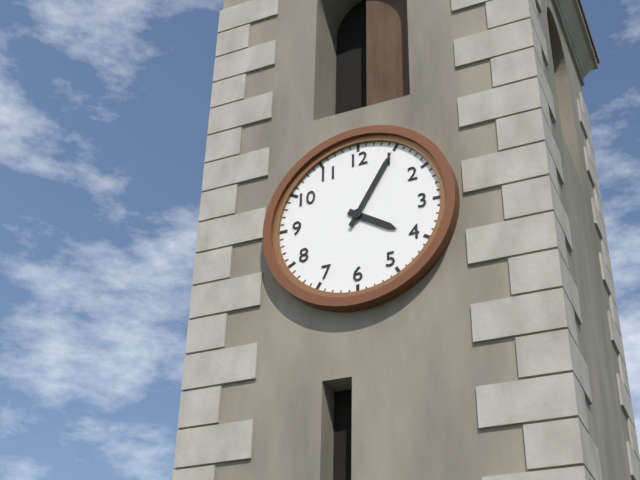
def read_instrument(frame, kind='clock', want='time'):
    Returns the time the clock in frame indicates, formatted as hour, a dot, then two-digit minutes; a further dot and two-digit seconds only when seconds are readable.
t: 4.05
